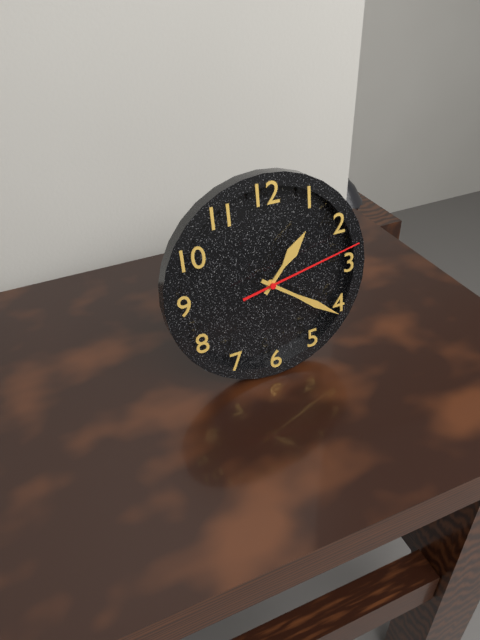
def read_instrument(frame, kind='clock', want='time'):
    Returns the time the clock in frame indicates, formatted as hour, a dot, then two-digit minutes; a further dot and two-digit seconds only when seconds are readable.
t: 1.21.13
